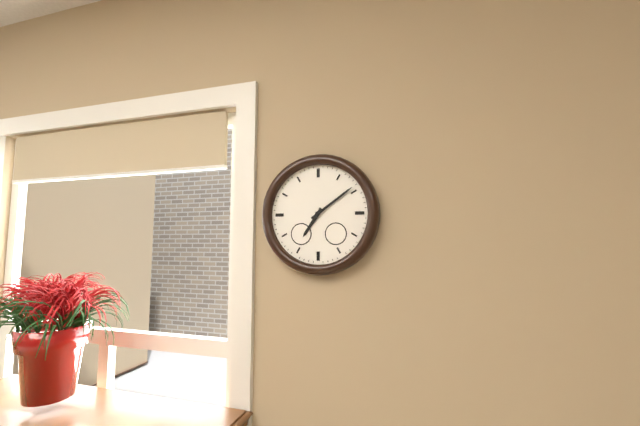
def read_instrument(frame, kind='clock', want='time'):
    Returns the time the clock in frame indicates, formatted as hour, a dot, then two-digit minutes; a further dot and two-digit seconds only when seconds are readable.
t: 7.09
